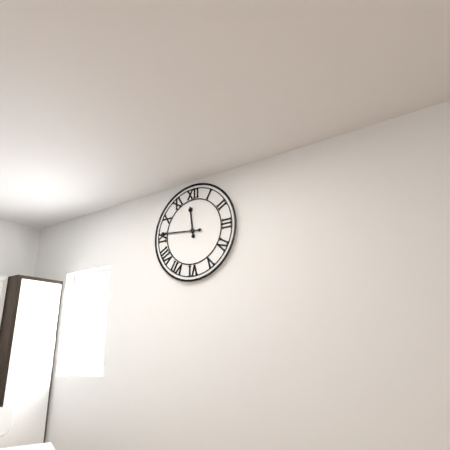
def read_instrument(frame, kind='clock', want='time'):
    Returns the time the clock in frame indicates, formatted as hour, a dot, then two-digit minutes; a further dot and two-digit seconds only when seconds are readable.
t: 11.46
